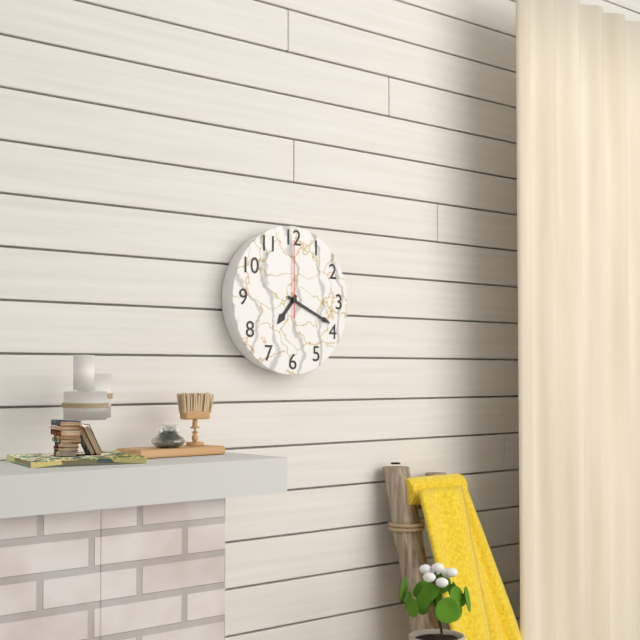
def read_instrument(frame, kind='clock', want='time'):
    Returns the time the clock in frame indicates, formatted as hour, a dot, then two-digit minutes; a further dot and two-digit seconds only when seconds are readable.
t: 7.19.00
